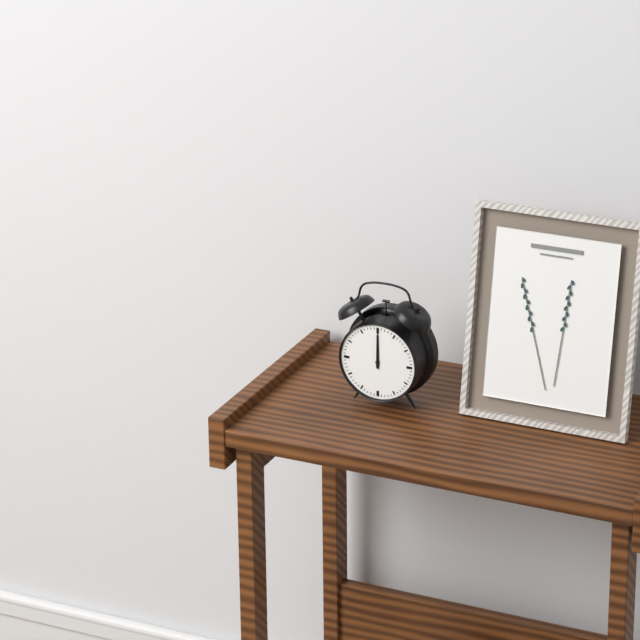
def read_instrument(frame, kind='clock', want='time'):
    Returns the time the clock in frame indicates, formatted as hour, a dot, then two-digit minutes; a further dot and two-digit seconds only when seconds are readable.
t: 12.00
